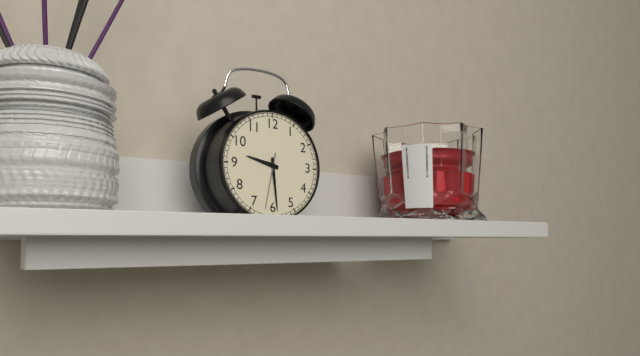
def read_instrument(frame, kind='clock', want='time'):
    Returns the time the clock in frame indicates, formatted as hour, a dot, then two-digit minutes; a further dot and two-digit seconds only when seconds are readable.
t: 9.29.32
